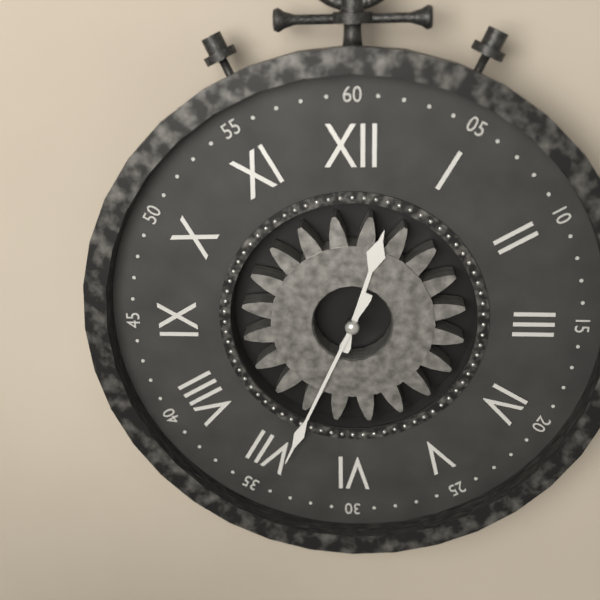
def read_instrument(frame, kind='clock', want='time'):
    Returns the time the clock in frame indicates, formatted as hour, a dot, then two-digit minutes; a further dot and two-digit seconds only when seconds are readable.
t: 12.34
